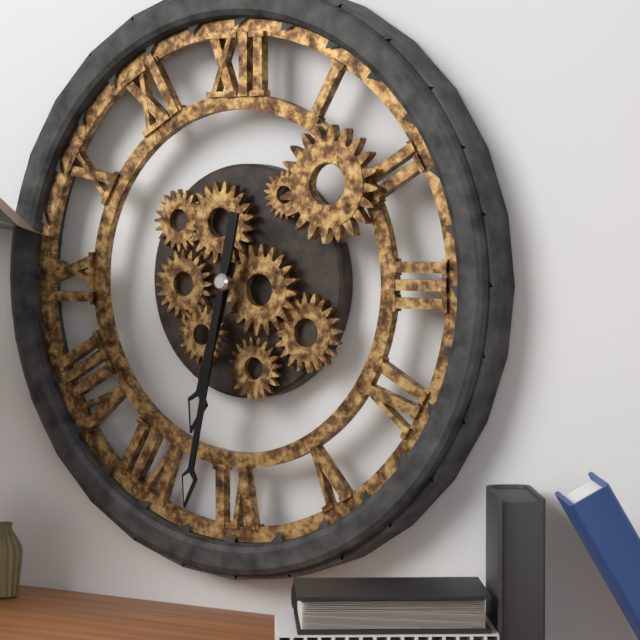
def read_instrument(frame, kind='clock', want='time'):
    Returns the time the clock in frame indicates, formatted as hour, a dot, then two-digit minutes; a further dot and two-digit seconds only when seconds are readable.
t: 6.32
